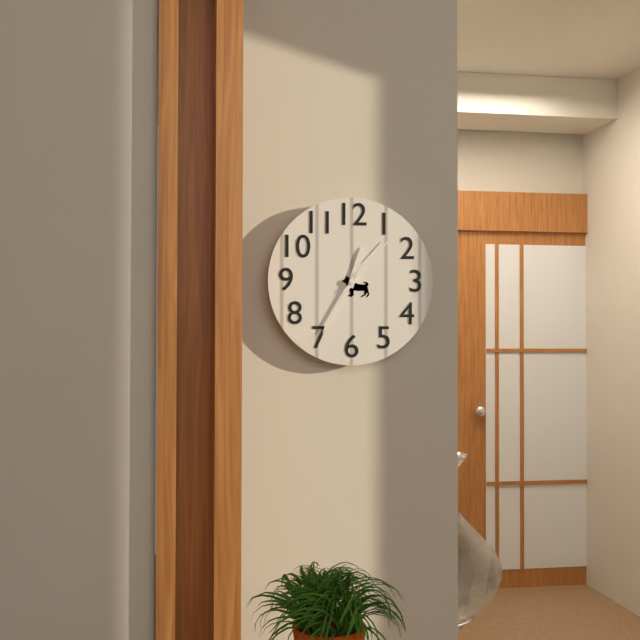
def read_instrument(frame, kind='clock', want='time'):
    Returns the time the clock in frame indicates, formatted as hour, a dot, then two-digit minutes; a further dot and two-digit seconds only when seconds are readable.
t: 12.35.07
